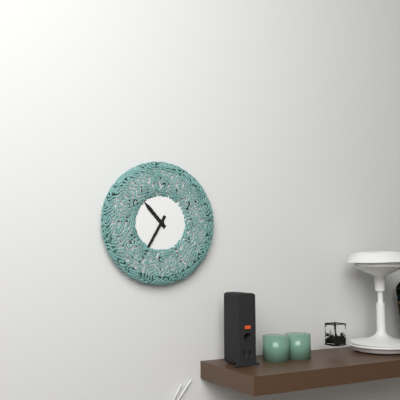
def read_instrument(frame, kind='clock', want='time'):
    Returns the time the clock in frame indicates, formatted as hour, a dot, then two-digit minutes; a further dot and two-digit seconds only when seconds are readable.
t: 10.35
